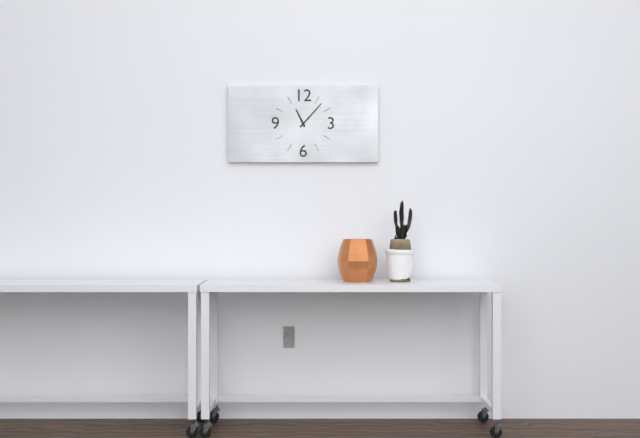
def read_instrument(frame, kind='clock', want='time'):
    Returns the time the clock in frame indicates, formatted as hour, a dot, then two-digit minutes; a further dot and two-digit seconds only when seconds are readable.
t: 11.07
